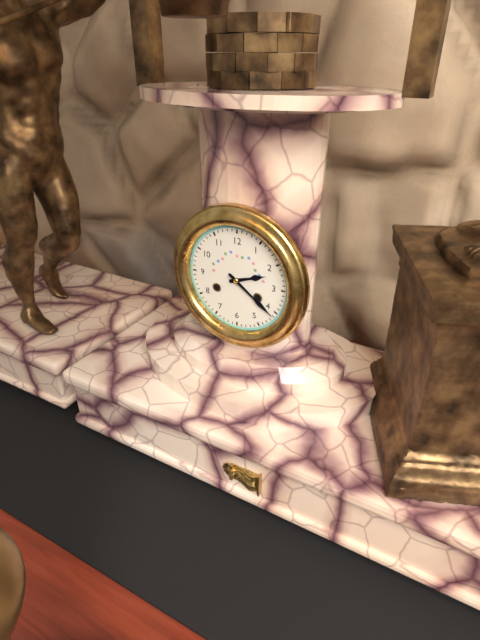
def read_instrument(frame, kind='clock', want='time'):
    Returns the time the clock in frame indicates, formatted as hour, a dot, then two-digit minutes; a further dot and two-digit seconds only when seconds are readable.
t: 2.21
